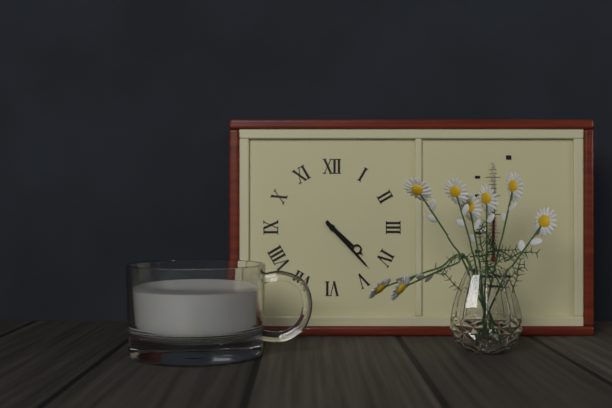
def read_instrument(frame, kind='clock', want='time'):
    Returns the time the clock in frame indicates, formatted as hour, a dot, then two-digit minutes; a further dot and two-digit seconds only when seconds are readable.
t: 4.23
